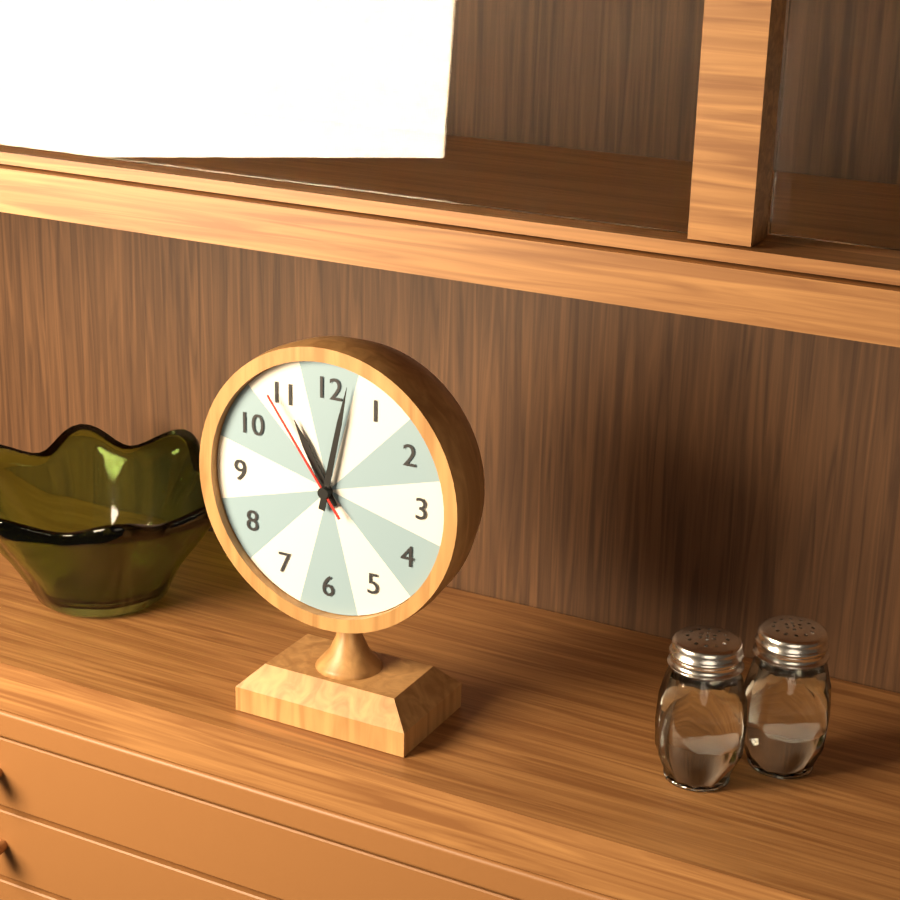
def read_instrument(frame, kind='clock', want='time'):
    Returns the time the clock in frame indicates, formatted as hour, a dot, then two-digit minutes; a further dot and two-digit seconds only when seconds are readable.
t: 11.02.54
